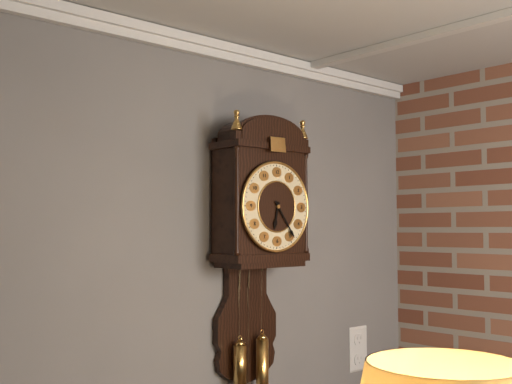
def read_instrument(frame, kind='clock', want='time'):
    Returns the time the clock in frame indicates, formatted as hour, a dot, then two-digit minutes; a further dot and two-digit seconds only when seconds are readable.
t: 6.24
